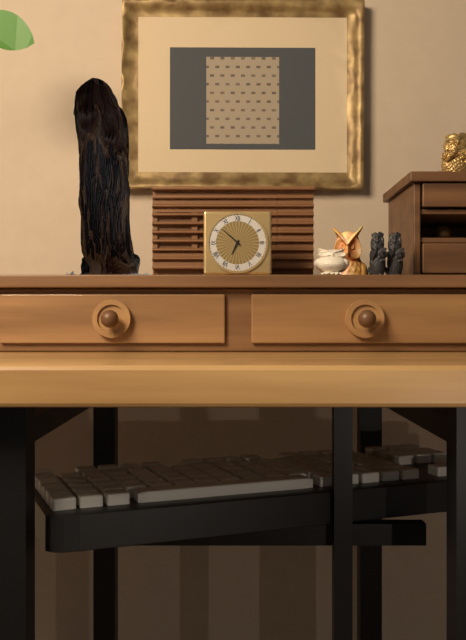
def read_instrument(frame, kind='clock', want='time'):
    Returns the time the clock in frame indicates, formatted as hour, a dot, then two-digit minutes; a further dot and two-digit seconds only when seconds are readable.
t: 6.52
